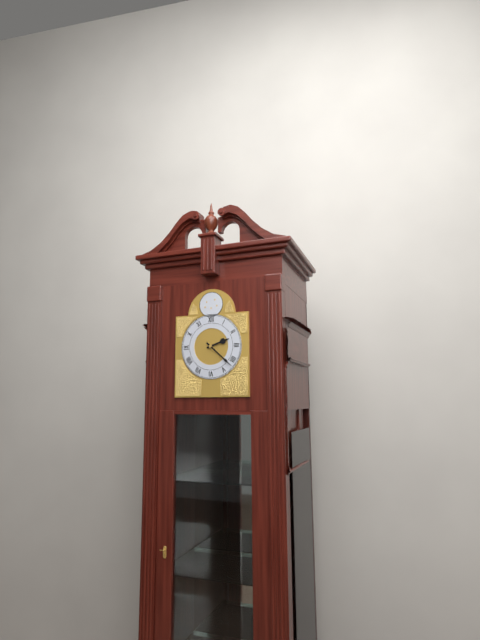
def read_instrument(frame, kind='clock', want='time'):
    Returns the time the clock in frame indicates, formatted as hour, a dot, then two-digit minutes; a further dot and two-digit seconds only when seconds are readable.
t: 2.22
